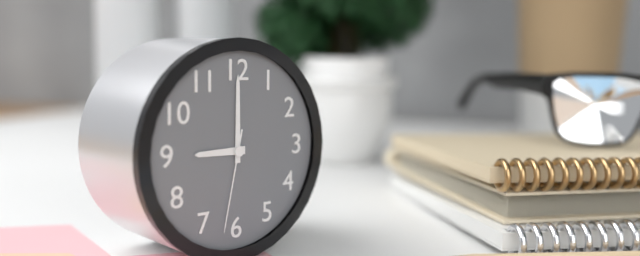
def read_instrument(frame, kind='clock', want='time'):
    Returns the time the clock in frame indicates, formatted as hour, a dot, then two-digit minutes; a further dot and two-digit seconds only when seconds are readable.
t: 9.00.32
